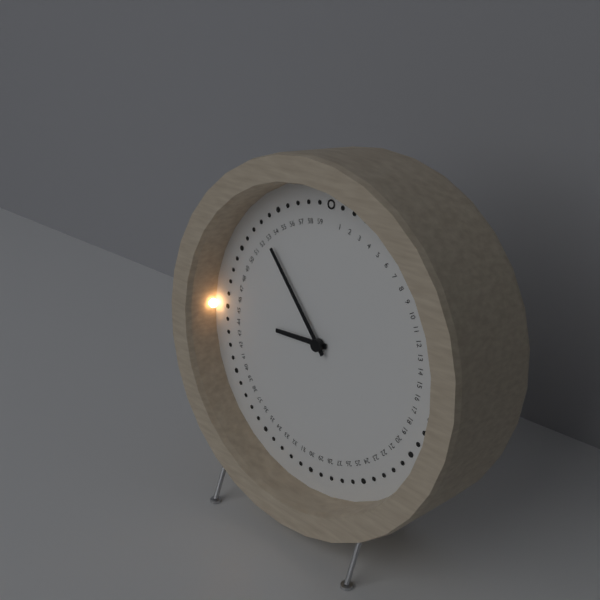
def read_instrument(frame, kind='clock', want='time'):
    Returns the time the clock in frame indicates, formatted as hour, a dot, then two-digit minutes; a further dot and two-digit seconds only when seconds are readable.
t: 8.53
